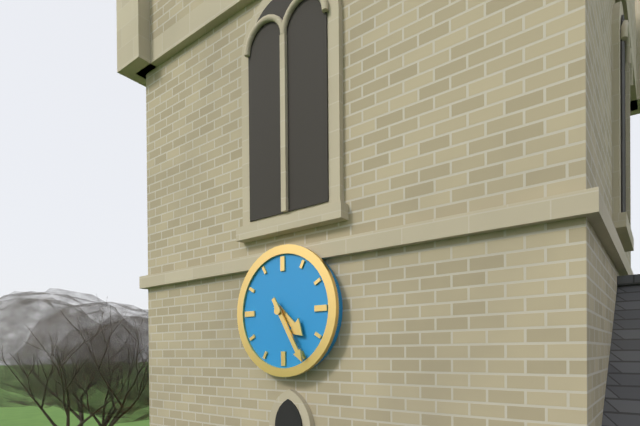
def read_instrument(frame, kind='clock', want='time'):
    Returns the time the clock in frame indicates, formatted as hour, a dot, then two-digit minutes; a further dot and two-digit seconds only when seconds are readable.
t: 4.25
